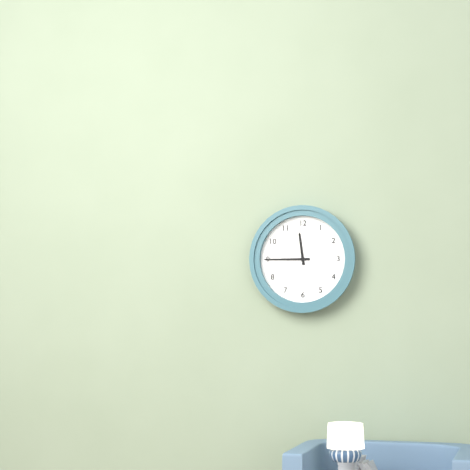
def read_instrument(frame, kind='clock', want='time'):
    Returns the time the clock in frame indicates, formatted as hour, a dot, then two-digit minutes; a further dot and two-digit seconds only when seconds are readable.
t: 11.45
